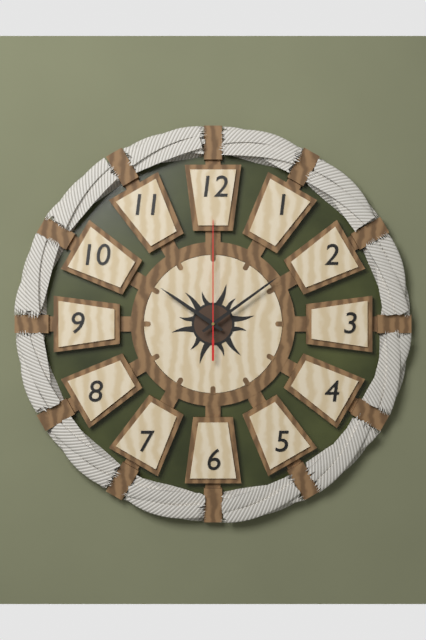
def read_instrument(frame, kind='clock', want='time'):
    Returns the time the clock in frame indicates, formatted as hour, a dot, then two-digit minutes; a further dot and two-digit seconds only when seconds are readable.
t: 10.09.00
